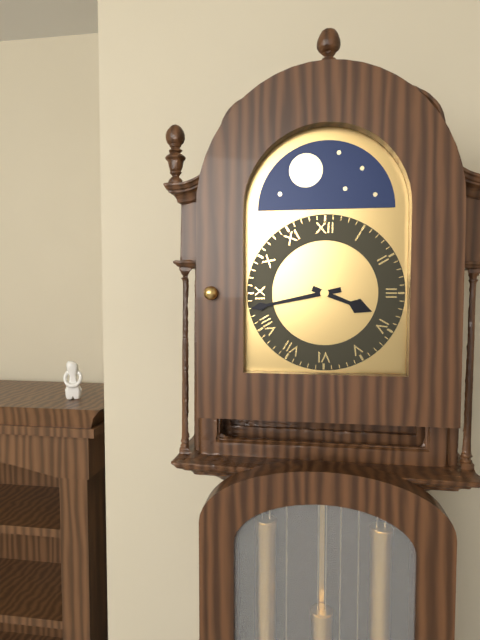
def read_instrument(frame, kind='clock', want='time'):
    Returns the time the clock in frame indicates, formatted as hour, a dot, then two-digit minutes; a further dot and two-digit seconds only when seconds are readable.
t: 3.43
